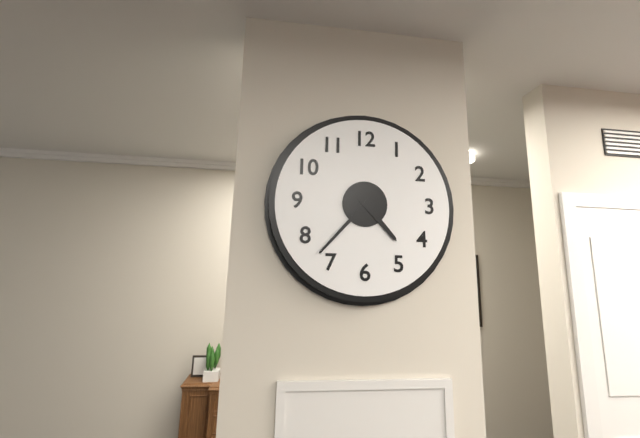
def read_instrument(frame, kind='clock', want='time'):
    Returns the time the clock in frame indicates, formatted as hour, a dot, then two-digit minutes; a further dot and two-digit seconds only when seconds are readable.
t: 4.37
